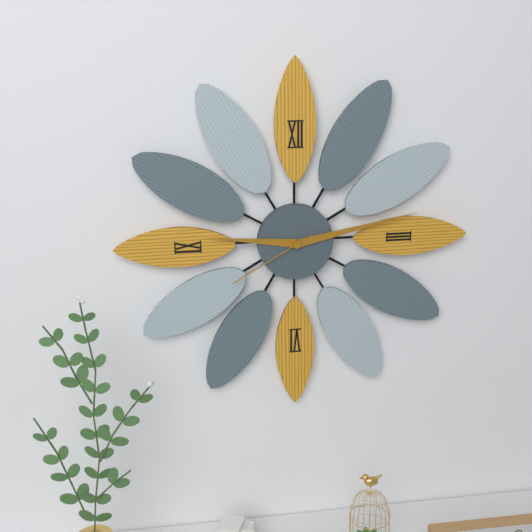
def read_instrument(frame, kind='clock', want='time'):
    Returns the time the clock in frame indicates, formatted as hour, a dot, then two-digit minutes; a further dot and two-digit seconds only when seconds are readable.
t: 9.13.40
